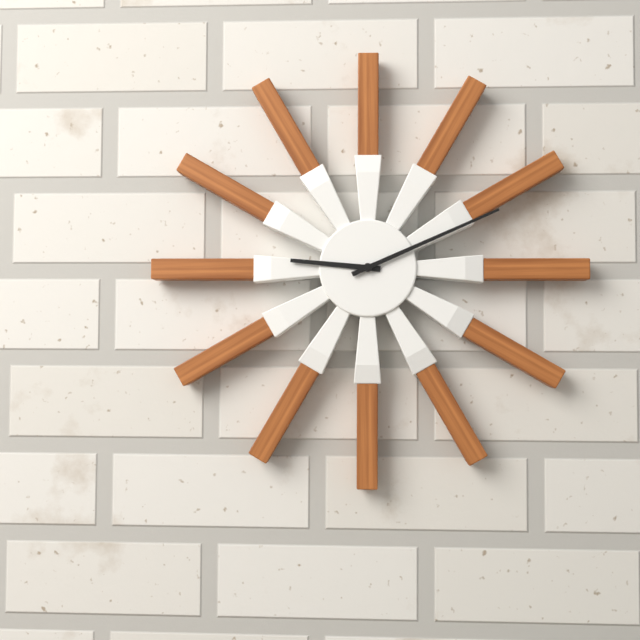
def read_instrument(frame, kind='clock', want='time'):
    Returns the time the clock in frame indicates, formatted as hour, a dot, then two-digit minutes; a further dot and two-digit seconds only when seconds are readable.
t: 9.11
